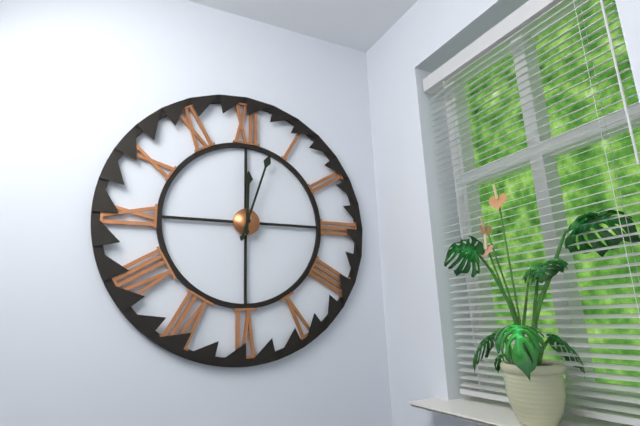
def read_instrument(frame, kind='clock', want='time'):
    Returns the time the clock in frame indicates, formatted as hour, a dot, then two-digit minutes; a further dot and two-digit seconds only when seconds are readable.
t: 12.03
